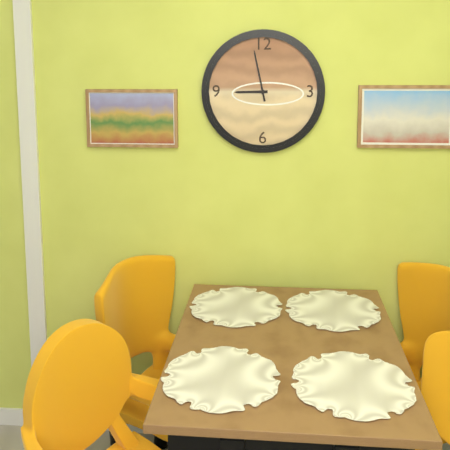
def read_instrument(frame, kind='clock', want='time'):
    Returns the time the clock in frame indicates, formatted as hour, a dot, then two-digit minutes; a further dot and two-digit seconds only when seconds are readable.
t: 8.58
